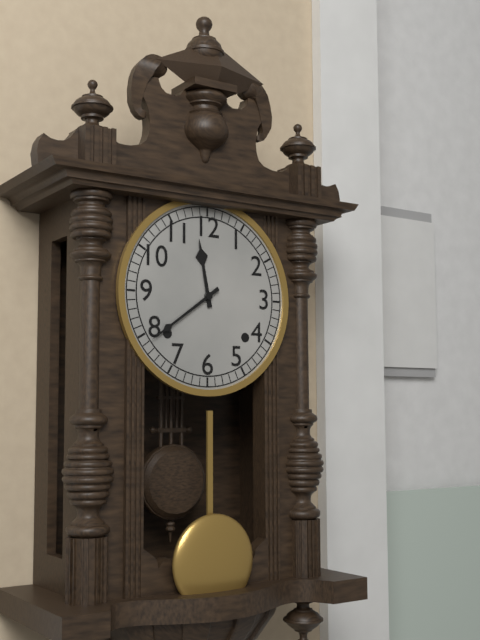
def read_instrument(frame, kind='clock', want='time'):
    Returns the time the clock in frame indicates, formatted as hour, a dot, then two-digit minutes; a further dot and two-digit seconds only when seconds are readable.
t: 11.39
